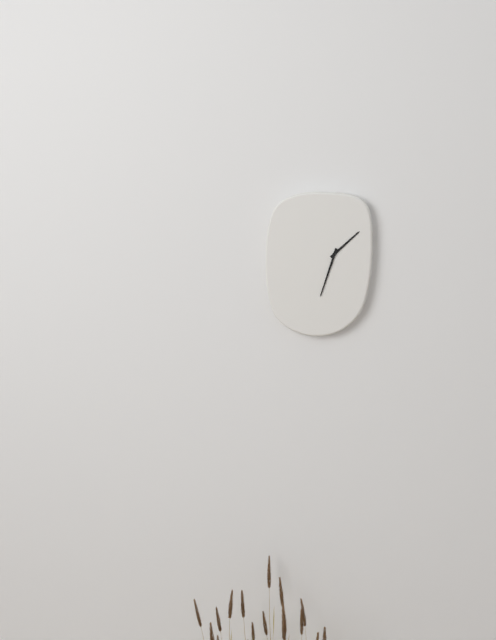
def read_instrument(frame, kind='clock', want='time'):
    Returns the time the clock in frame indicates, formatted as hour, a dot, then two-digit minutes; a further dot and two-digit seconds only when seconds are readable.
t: 1.33
